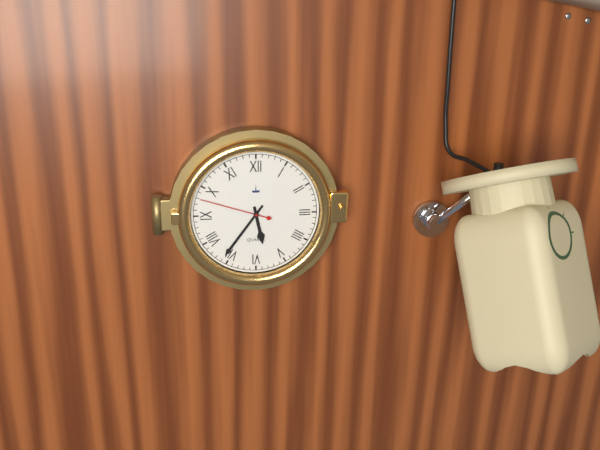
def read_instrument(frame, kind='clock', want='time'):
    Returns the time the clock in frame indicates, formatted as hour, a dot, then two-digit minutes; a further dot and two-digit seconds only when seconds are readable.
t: 5.36.48
